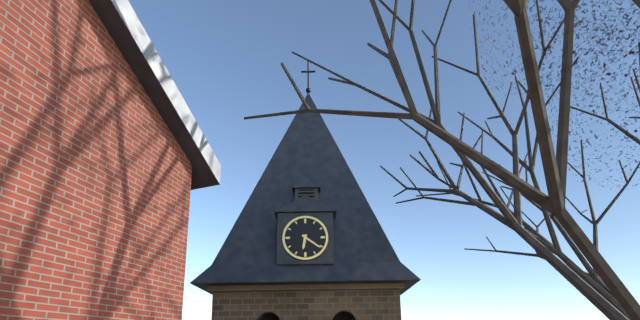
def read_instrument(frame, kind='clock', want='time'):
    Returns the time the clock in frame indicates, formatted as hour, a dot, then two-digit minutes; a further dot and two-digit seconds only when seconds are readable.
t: 6.21
